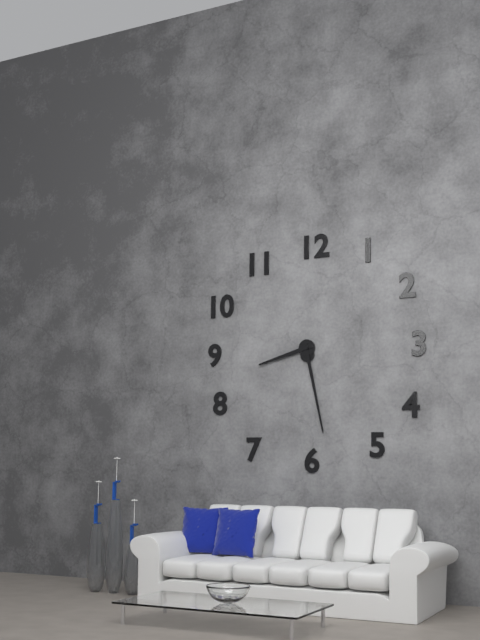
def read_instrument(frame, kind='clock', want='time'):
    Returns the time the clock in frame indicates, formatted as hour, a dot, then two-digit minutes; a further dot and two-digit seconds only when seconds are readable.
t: 8.28
